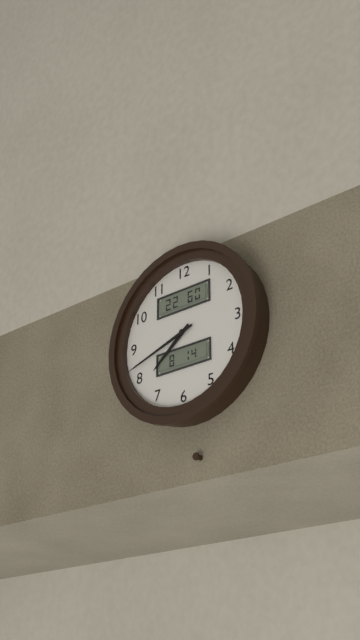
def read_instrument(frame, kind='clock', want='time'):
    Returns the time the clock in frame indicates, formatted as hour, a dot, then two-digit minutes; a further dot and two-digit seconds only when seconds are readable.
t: 7.42
